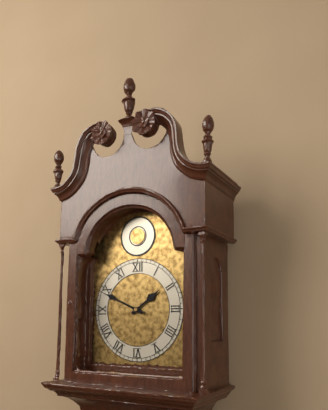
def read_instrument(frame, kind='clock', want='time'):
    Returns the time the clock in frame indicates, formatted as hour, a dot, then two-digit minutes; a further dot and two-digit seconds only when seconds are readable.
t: 1.49
